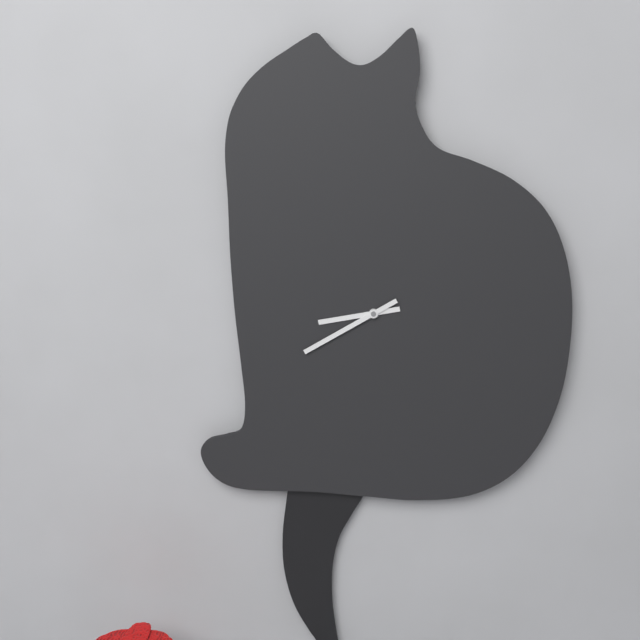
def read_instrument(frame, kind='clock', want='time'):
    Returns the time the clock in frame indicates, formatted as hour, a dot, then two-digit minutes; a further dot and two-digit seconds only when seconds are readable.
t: 8.40
